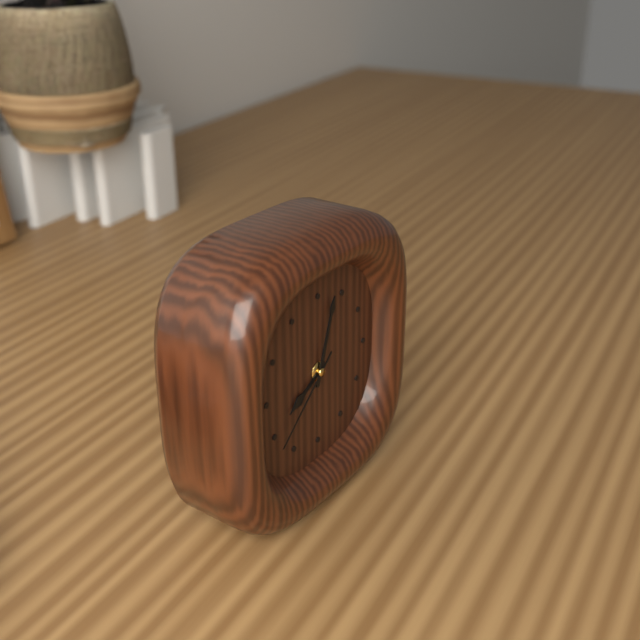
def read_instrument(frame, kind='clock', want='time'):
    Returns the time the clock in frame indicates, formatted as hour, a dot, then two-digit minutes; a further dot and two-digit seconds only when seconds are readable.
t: 8.03.38
